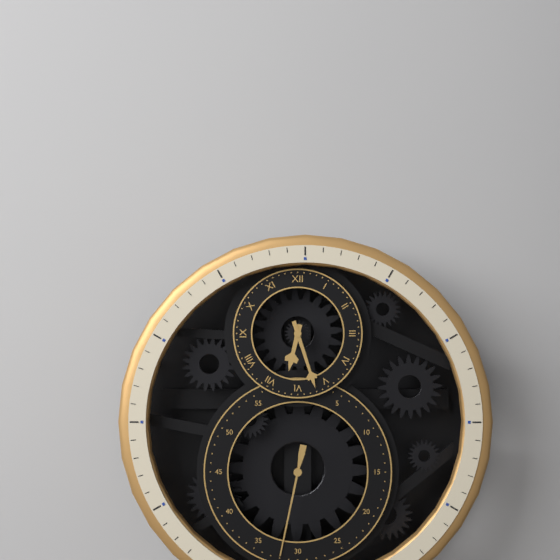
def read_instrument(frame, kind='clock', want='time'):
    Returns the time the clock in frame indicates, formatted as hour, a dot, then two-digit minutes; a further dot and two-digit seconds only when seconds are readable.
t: 6.27.32
